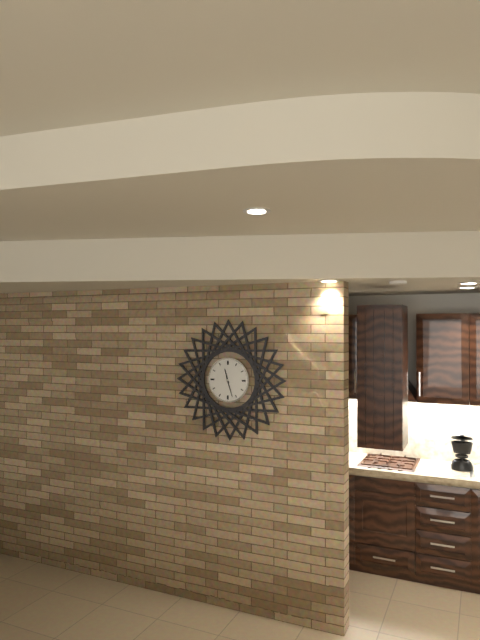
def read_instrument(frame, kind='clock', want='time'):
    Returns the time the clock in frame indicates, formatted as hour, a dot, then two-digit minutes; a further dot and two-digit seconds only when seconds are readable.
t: 11.27
